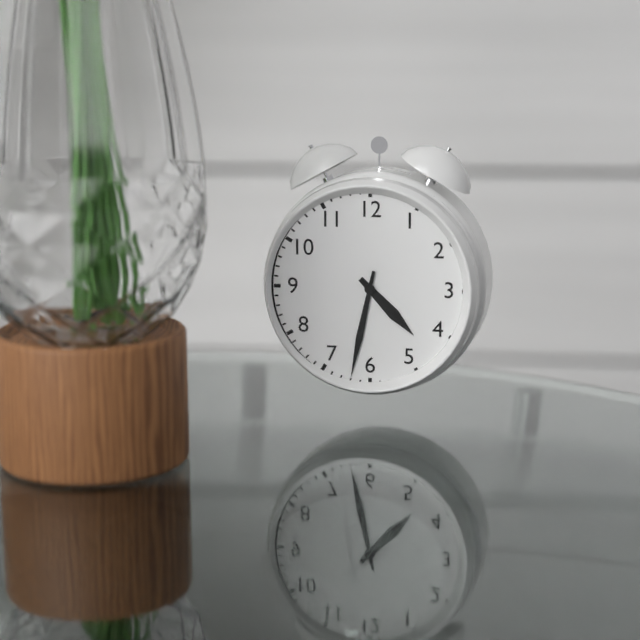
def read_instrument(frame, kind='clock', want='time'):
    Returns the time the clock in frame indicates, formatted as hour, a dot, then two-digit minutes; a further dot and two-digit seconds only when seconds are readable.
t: 4.32
